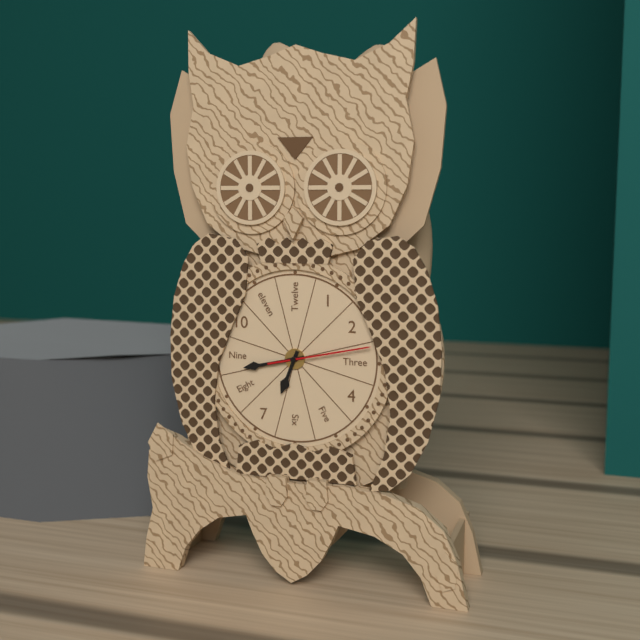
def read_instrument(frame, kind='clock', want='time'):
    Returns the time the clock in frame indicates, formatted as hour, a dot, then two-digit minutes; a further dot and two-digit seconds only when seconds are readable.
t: 6.43.13
